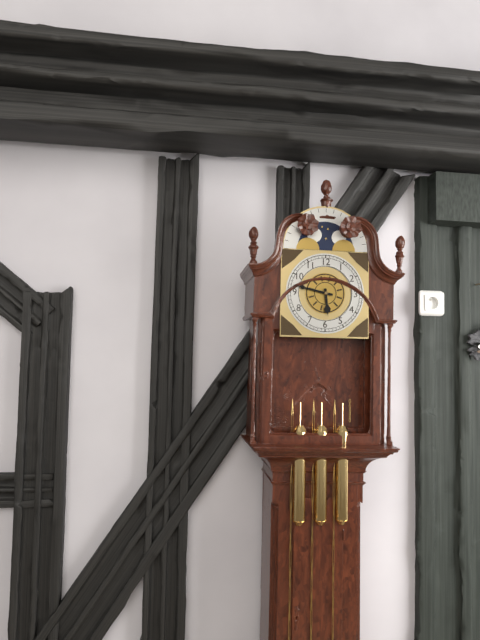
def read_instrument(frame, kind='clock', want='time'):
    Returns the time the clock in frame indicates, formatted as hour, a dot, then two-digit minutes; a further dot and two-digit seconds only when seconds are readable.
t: 5.47
